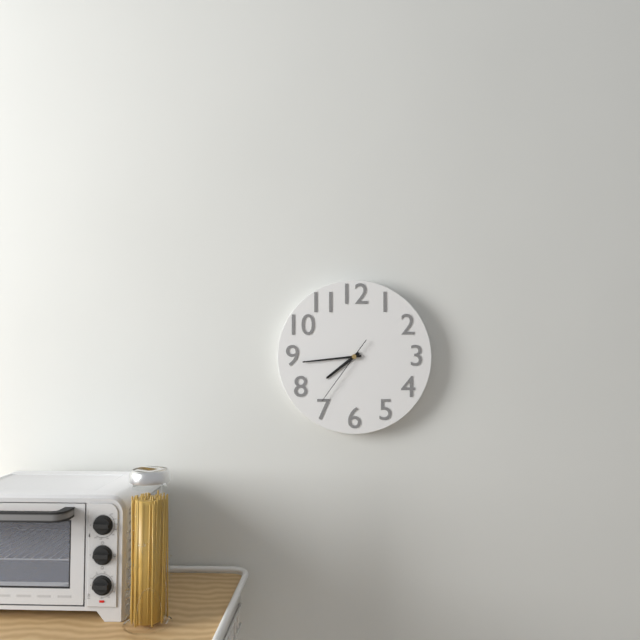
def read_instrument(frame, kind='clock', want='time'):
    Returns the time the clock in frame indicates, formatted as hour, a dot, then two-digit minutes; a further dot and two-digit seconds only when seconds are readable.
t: 7.44.36
